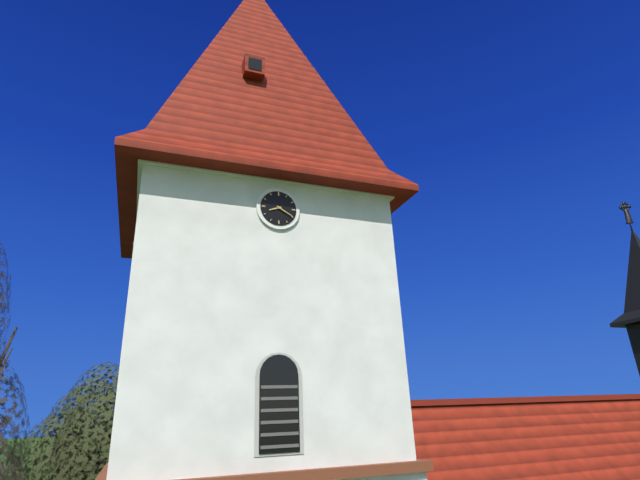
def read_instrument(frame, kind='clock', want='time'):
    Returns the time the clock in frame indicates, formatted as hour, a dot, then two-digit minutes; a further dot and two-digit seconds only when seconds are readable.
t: 8.20
